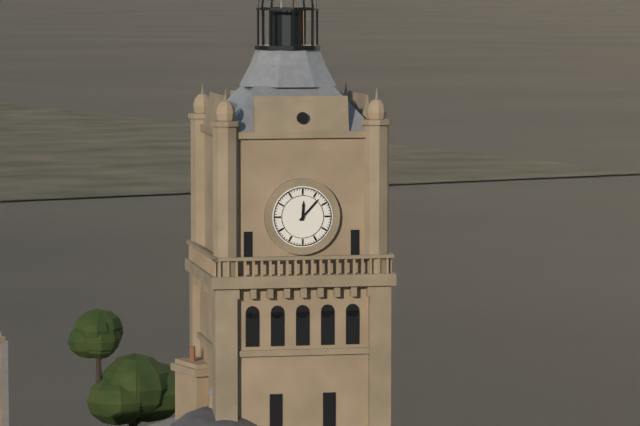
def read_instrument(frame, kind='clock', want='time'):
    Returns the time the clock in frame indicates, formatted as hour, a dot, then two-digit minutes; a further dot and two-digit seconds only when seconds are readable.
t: 12.07
